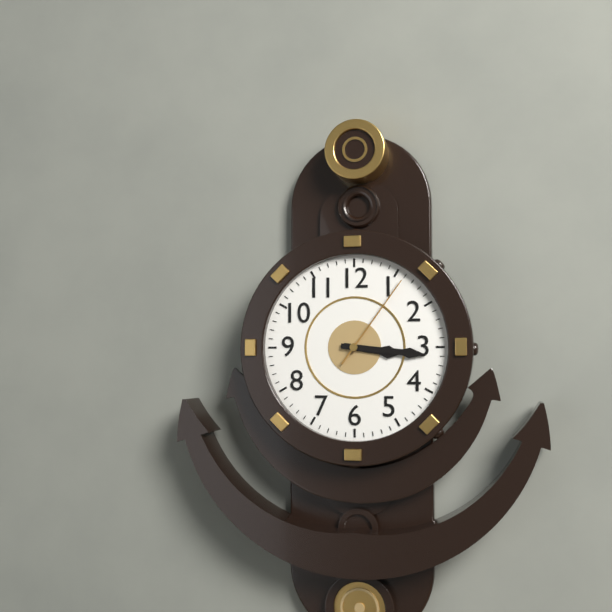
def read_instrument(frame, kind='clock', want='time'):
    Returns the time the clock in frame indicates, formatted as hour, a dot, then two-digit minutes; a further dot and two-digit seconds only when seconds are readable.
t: 3.16.06
